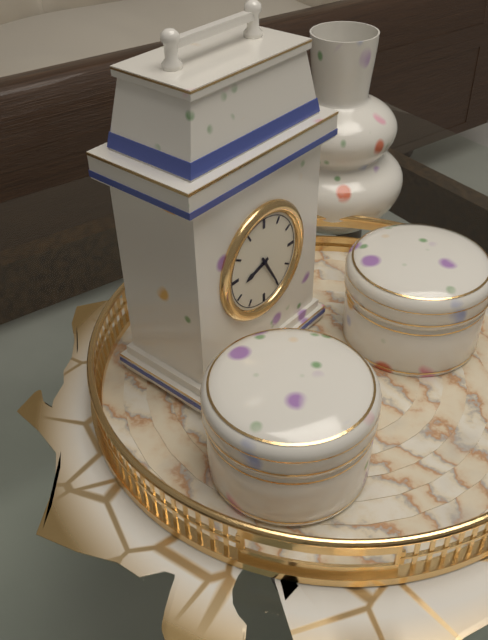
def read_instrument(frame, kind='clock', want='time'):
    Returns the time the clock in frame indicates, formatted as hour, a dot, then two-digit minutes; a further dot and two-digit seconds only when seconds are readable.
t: 8.25
